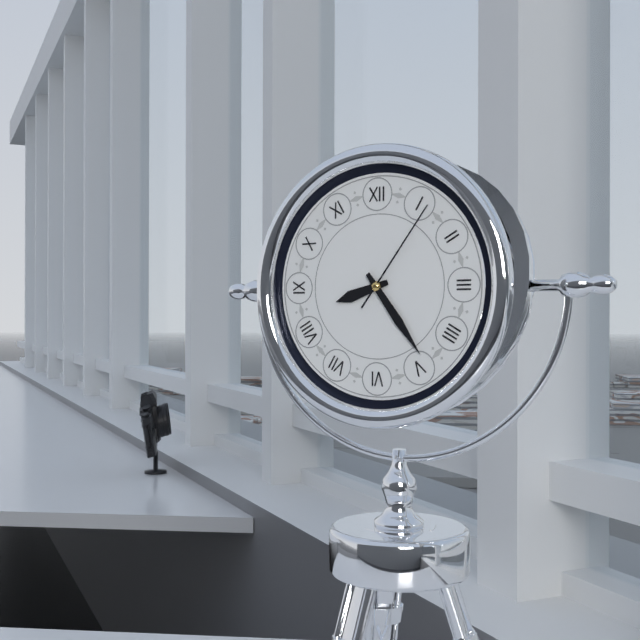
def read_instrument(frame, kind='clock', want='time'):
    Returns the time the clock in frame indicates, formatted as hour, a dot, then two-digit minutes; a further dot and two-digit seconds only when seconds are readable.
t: 8.24.06
